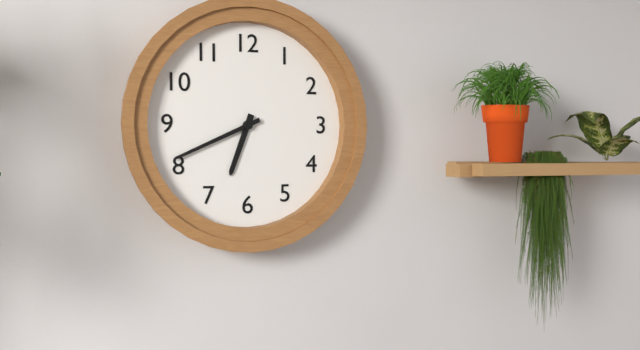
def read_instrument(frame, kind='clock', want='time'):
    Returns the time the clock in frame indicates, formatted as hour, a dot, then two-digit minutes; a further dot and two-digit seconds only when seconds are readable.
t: 6.41
